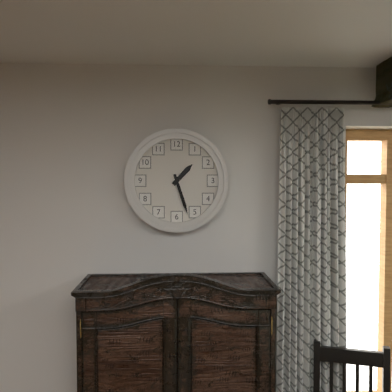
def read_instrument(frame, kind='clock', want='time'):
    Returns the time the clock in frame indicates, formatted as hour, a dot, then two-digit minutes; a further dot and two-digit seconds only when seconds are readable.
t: 1.27
